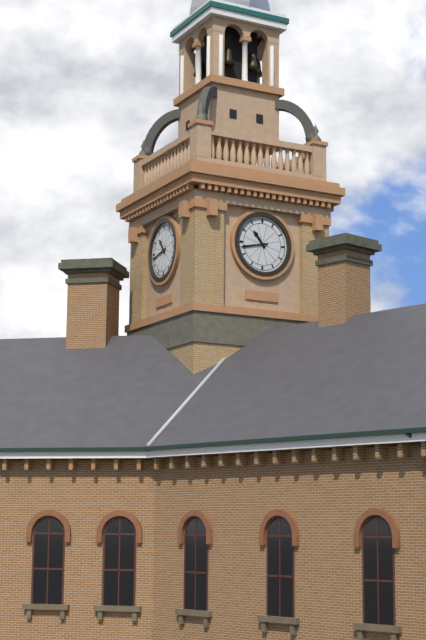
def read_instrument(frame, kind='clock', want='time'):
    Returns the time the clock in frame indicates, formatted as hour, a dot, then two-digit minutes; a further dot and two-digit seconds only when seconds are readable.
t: 10.43
